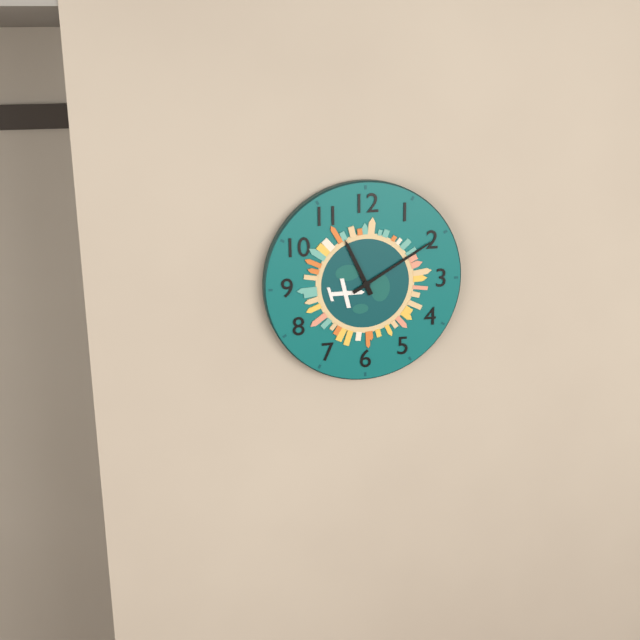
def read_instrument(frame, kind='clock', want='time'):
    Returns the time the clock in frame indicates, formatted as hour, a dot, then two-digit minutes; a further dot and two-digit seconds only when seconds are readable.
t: 11.10
